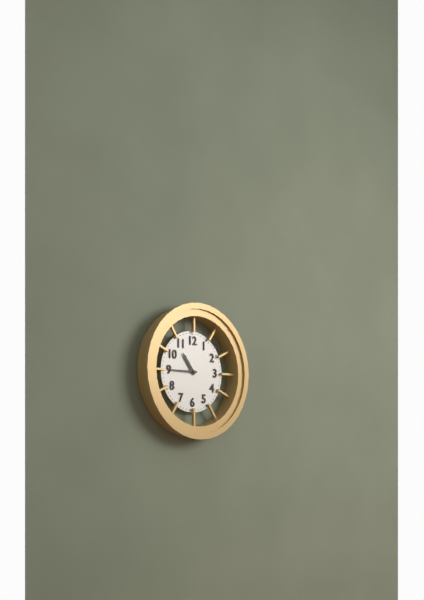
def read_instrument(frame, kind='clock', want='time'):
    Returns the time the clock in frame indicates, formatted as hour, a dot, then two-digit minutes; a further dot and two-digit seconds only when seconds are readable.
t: 10.45
